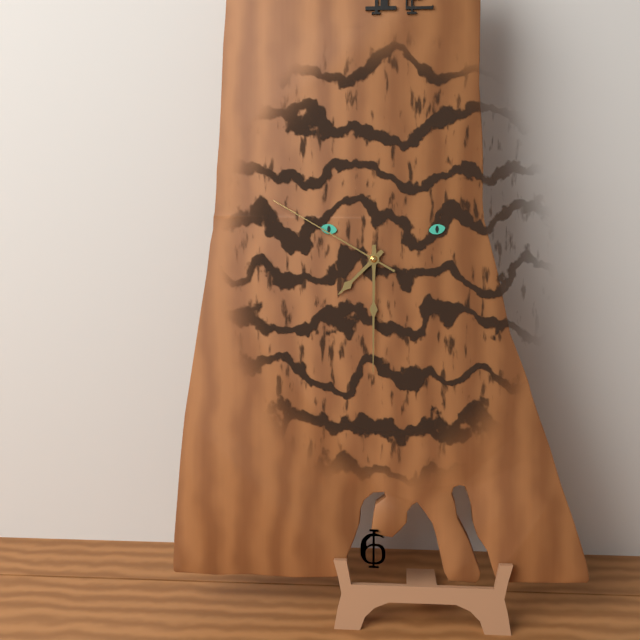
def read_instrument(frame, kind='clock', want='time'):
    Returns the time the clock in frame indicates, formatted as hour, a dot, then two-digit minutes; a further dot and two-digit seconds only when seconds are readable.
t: 7.30.50
